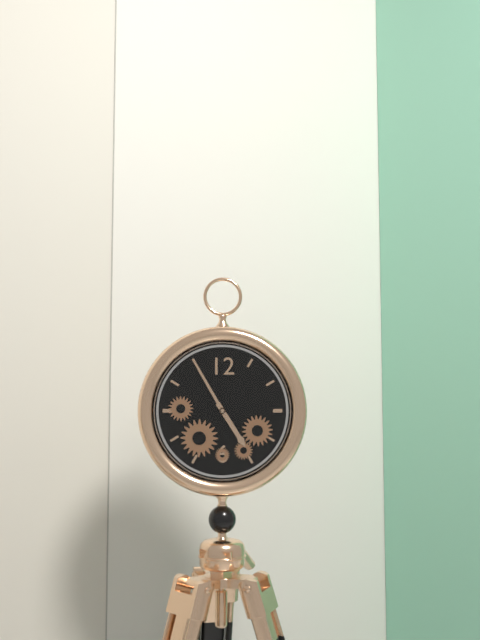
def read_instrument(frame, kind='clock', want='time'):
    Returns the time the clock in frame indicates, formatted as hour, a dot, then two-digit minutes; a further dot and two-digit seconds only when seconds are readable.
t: 4.55
